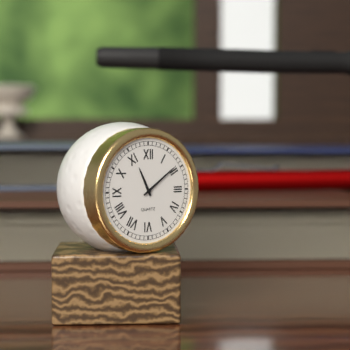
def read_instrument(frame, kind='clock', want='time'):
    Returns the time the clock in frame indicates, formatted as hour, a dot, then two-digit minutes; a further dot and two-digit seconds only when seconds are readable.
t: 11.09
